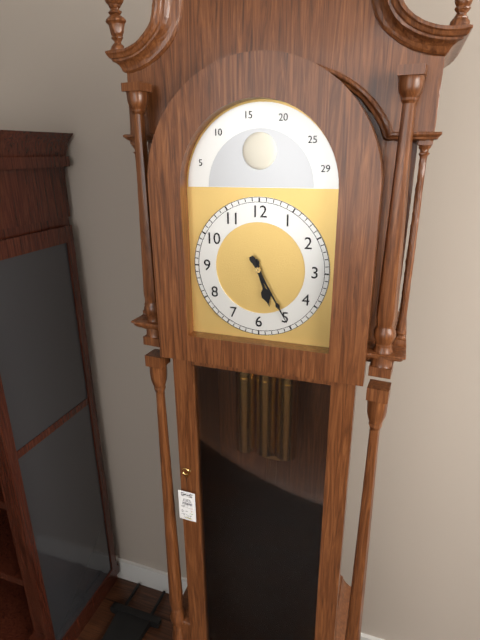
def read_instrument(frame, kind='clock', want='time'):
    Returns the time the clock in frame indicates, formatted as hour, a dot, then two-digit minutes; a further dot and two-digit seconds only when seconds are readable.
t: 5.25
